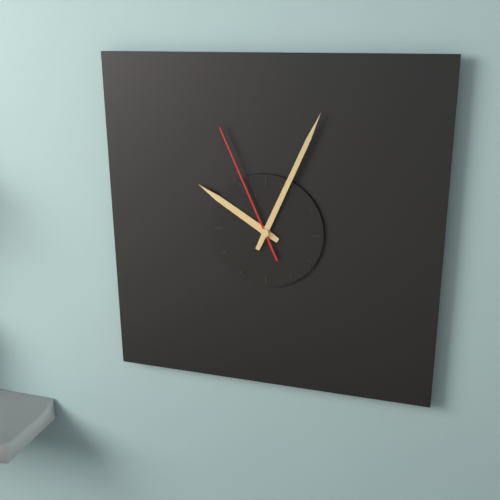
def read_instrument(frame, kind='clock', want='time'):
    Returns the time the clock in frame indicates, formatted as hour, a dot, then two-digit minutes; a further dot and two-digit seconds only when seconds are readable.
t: 10.04.56
